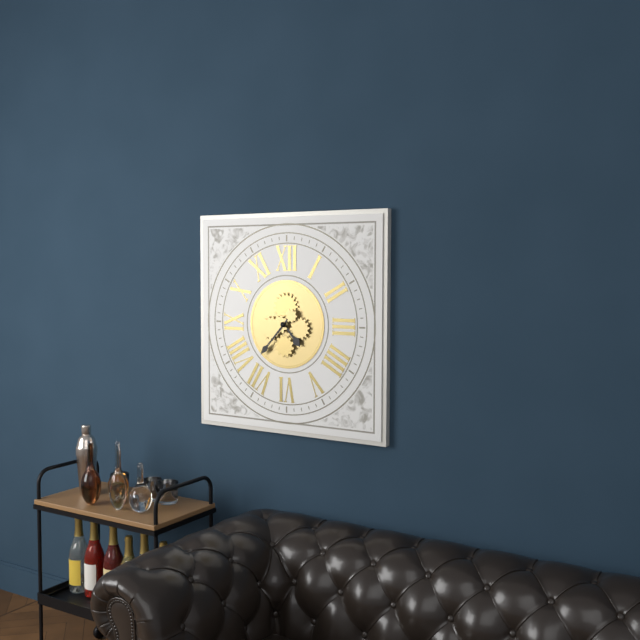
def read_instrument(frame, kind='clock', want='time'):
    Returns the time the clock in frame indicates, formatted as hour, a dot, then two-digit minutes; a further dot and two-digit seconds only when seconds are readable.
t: 4.37
